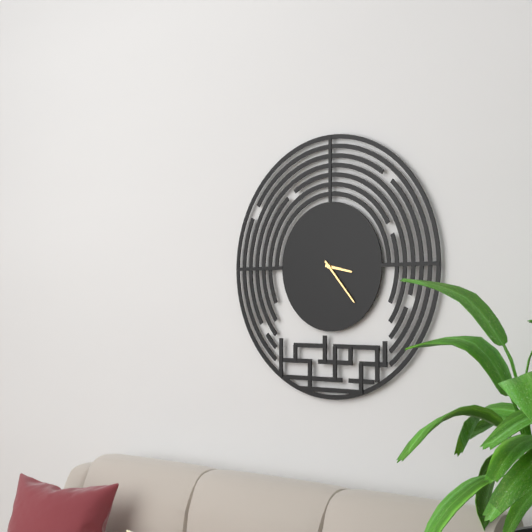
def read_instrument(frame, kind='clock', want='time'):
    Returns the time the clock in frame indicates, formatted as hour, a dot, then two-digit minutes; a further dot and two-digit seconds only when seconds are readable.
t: 3.23
